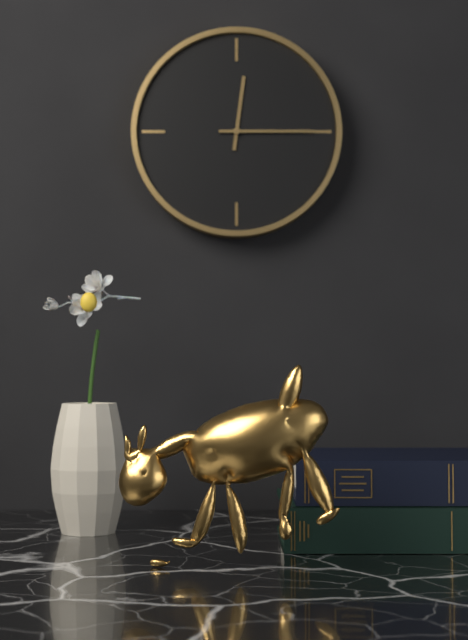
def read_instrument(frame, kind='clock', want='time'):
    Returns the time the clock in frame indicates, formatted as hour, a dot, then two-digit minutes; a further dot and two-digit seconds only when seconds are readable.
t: 12.15
